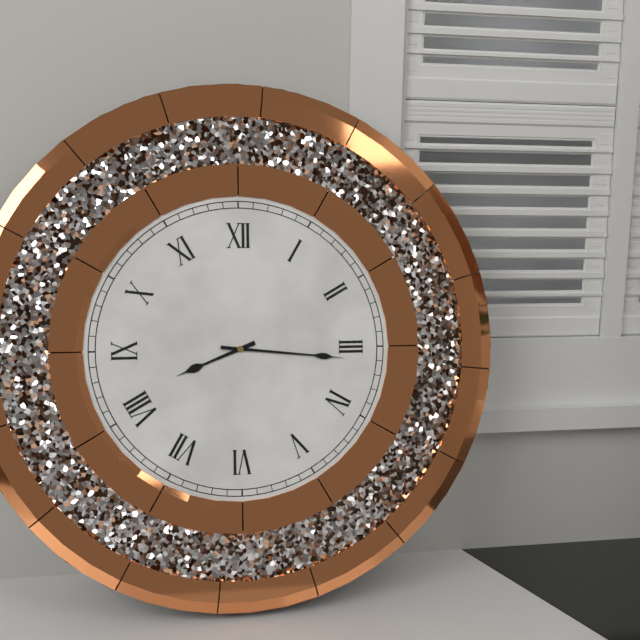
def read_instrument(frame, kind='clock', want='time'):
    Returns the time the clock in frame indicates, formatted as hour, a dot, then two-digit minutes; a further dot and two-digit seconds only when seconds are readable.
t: 8.16
